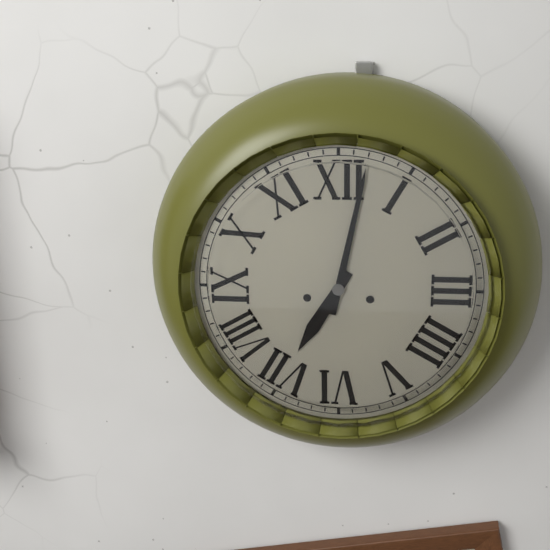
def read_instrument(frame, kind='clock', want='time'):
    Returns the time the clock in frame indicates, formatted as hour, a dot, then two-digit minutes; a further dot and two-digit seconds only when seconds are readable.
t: 7.02
